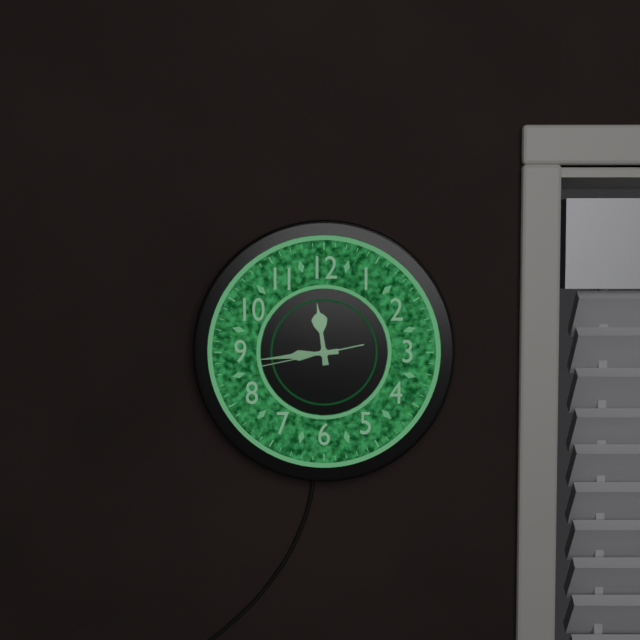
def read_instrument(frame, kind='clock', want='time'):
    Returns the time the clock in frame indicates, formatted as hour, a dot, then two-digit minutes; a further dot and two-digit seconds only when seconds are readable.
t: 11.44.43
